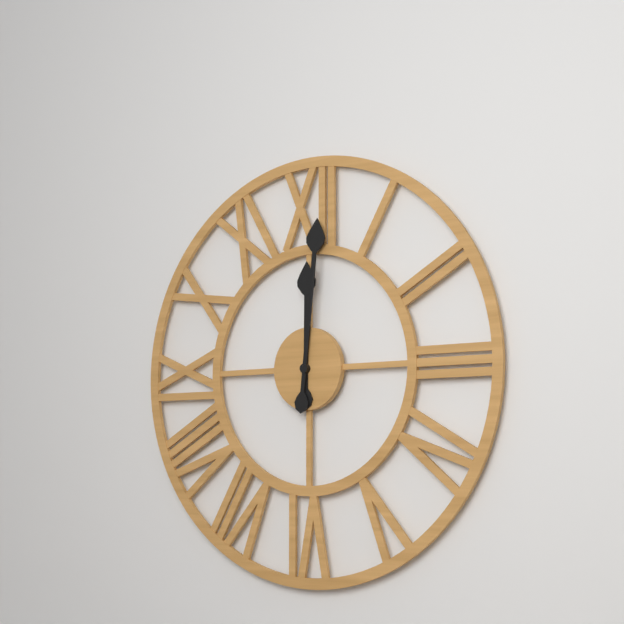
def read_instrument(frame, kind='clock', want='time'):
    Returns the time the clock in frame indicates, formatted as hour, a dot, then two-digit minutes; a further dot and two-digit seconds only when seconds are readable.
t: 12.01
